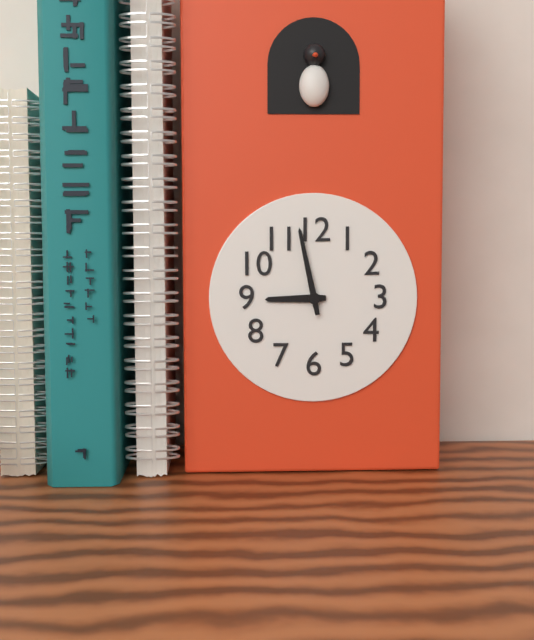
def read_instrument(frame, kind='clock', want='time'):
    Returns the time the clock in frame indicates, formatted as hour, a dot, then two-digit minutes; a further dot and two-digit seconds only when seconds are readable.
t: 8.58
